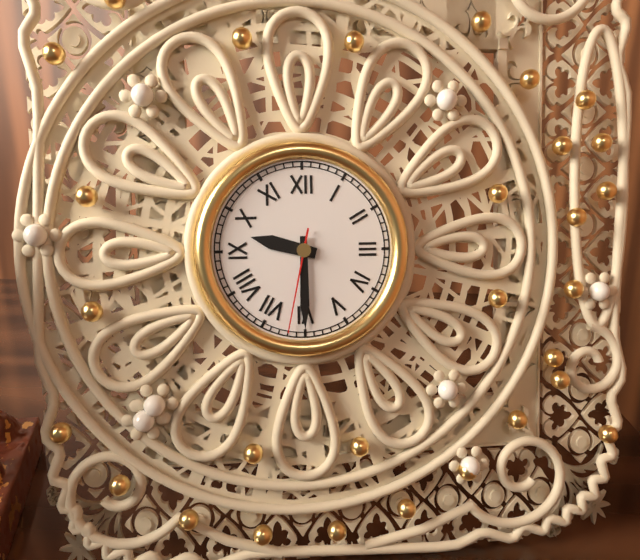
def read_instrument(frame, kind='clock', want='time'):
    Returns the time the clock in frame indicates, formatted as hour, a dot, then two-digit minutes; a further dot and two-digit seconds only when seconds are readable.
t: 9.30.32
